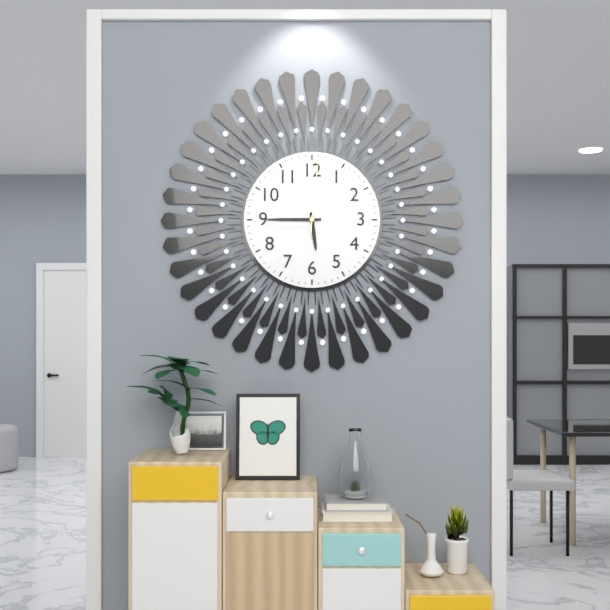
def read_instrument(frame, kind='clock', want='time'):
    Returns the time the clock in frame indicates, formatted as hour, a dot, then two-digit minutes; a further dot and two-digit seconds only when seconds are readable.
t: 5.45.01
